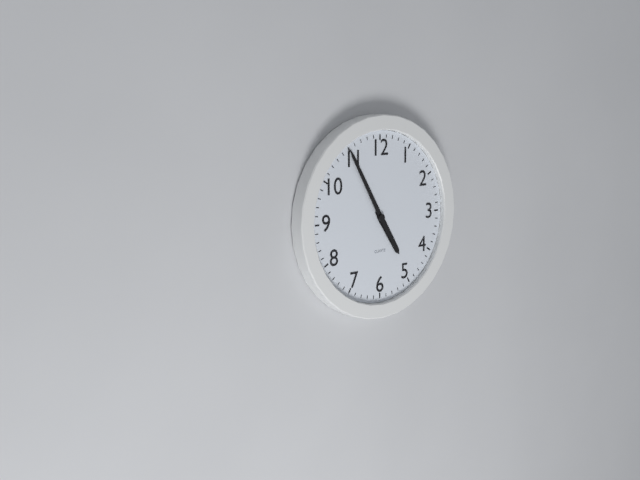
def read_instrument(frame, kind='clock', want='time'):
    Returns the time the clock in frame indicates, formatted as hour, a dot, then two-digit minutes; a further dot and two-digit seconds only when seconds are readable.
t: 4.55
